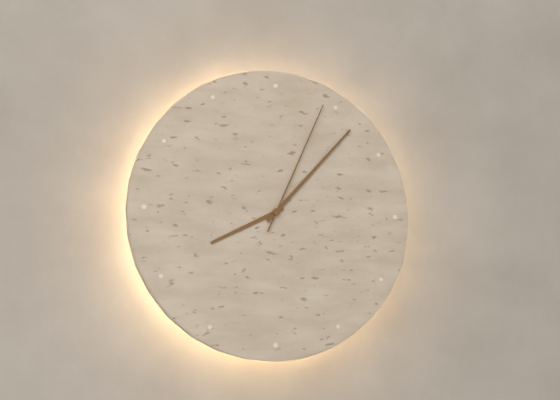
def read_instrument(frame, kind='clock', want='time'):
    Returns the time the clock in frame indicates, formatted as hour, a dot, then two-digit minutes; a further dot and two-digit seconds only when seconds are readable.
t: 8.07.04
